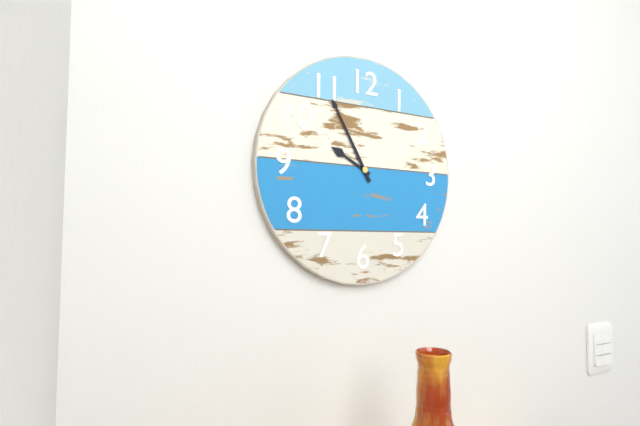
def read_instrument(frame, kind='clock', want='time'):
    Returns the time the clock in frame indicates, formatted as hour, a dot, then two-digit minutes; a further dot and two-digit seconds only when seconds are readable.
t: 9.55
